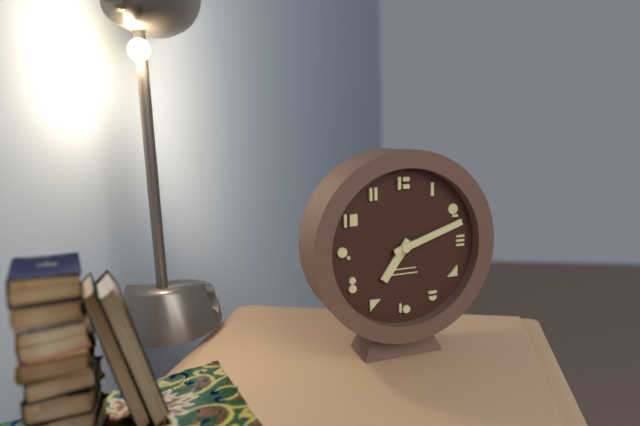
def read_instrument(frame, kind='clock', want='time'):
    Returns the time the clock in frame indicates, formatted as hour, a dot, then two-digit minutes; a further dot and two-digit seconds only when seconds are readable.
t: 7.12
